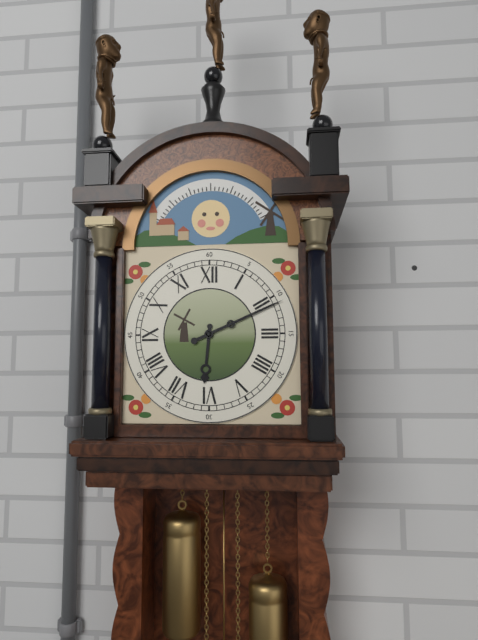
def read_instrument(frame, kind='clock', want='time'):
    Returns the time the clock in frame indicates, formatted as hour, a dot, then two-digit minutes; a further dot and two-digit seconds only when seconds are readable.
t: 6.11
